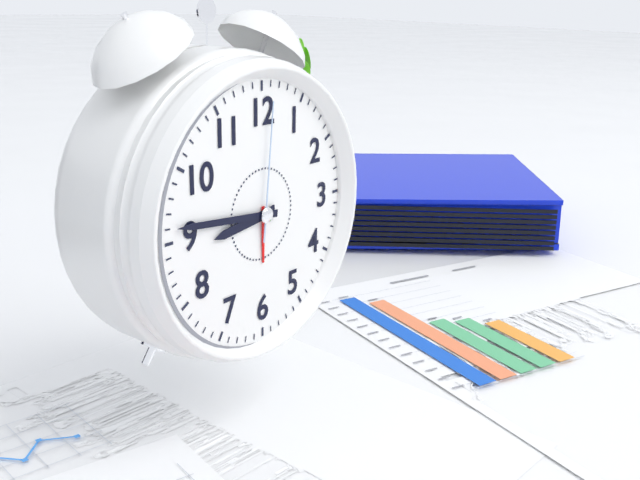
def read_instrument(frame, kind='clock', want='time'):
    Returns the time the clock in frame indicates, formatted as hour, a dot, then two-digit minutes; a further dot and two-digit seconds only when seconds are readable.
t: 8.46.01
